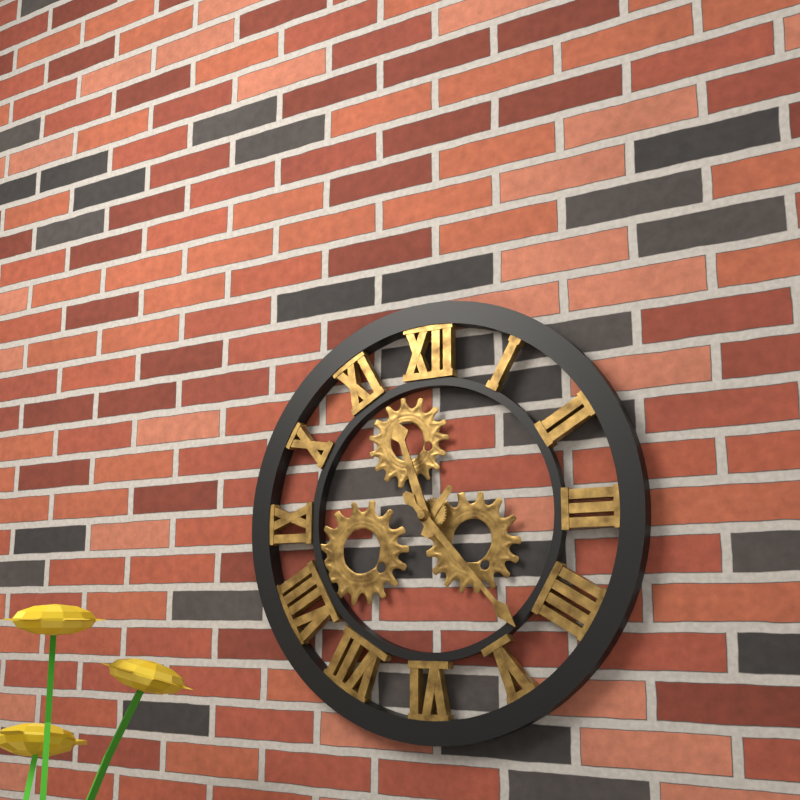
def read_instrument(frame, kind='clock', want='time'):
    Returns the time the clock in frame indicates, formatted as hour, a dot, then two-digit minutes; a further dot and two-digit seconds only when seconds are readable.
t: 11.23
